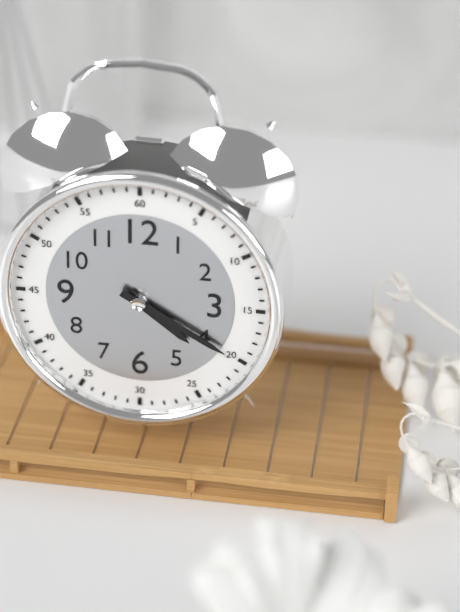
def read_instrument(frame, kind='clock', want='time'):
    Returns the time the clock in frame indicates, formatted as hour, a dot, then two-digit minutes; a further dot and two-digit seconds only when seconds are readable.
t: 4.20
